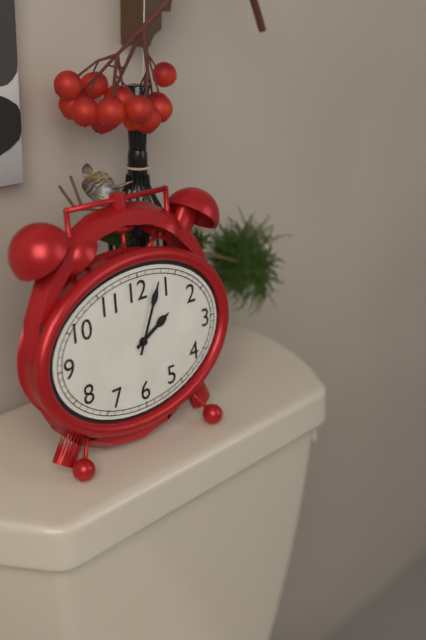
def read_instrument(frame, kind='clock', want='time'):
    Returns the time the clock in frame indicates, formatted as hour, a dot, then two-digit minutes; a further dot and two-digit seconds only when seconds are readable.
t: 2.04
